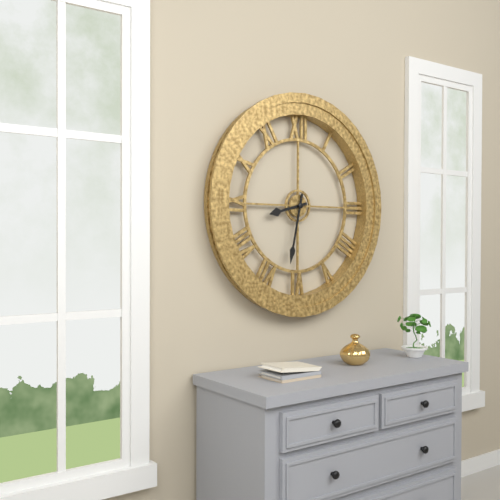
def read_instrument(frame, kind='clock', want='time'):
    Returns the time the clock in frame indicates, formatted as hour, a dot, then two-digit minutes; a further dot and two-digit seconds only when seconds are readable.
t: 8.32
